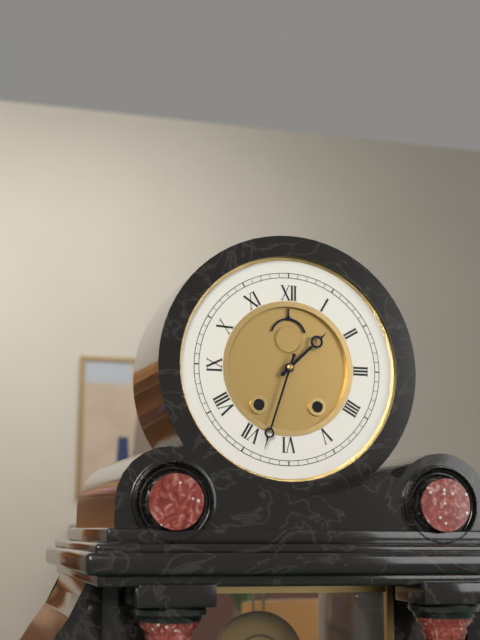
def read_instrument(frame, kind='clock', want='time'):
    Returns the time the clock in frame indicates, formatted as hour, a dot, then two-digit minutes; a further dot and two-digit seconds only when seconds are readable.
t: 1.33
